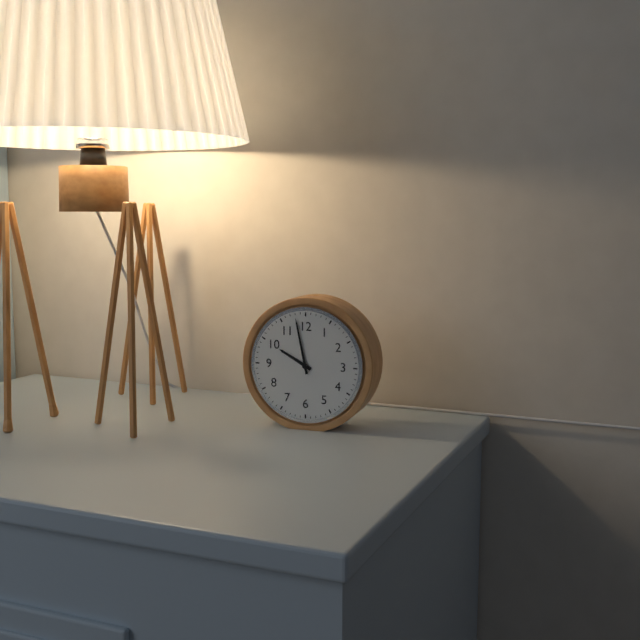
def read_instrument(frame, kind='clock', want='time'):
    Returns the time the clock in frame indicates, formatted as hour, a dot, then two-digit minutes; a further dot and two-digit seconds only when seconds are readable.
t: 9.58
